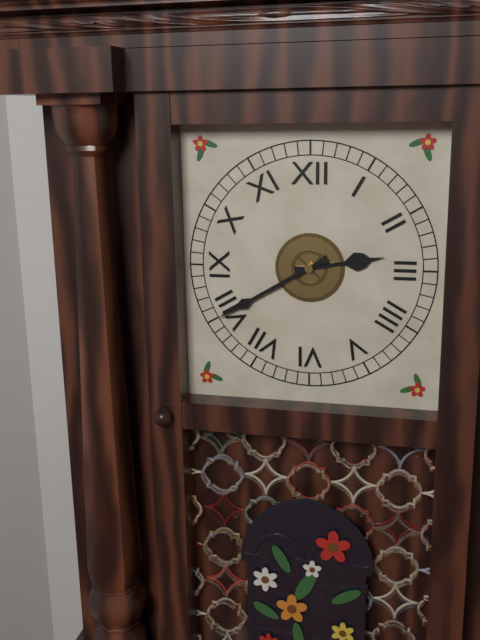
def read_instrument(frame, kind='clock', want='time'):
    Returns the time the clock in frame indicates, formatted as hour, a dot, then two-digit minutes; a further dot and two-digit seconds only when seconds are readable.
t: 2.40
